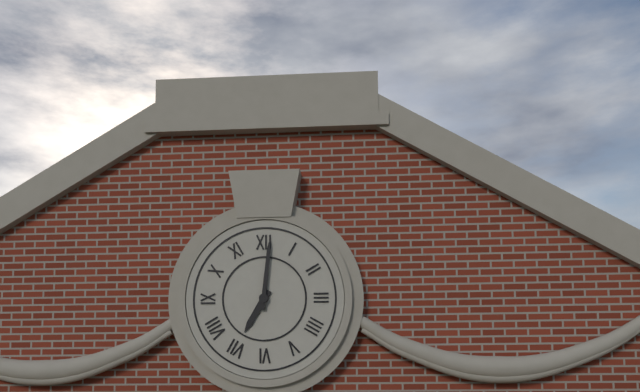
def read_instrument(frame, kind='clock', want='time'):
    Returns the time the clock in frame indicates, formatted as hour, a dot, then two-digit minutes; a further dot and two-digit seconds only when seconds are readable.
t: 7.01
